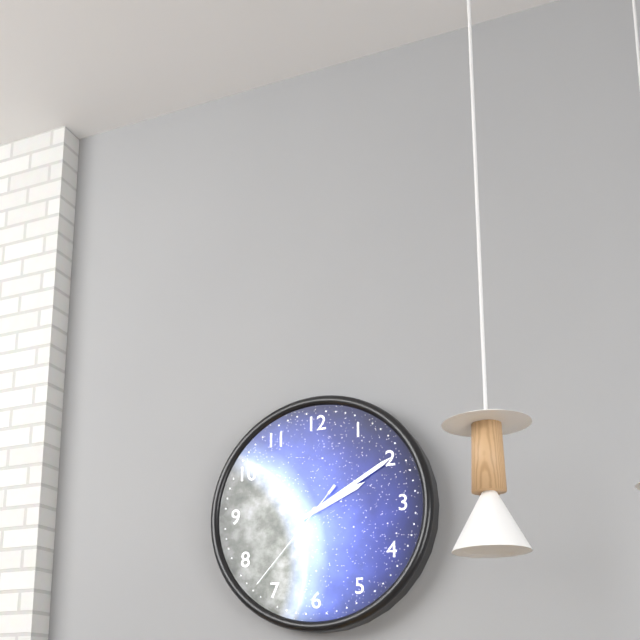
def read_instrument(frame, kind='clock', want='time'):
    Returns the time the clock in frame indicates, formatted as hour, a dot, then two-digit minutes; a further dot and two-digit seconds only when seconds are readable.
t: 2.10.37
